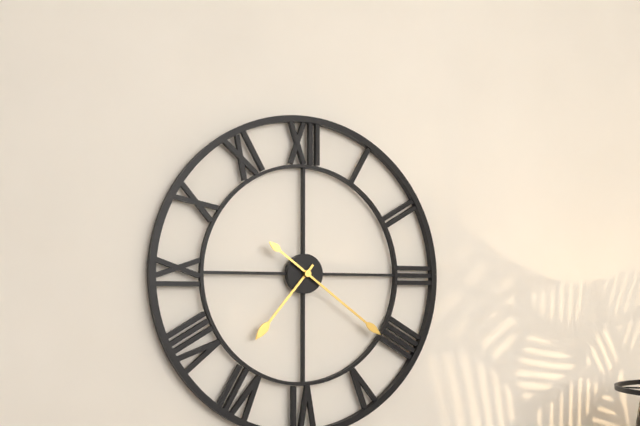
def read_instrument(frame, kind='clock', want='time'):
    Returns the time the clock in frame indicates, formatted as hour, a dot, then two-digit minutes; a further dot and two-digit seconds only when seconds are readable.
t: 7.21
